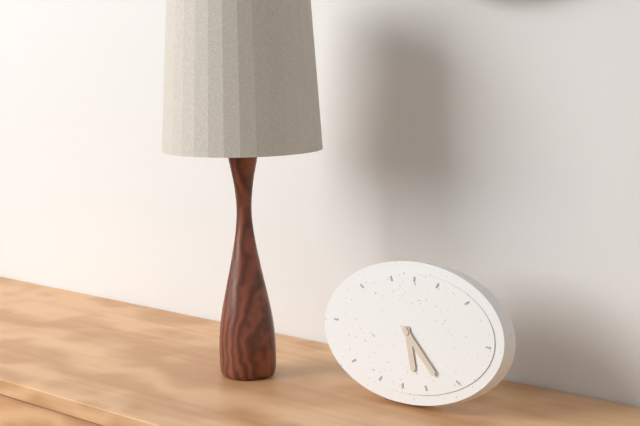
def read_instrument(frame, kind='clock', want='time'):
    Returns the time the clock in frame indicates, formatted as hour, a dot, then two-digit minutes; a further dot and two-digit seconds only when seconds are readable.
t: 5.22
